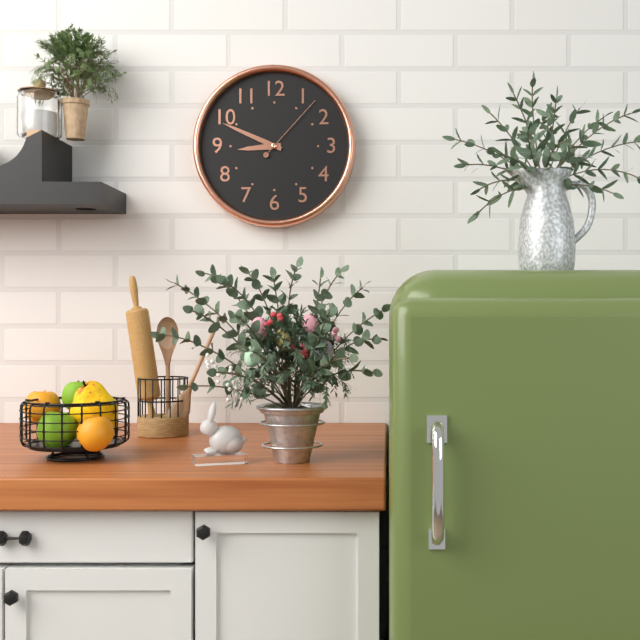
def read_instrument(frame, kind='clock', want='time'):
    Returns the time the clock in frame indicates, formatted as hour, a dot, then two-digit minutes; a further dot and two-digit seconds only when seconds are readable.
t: 8.49.07
